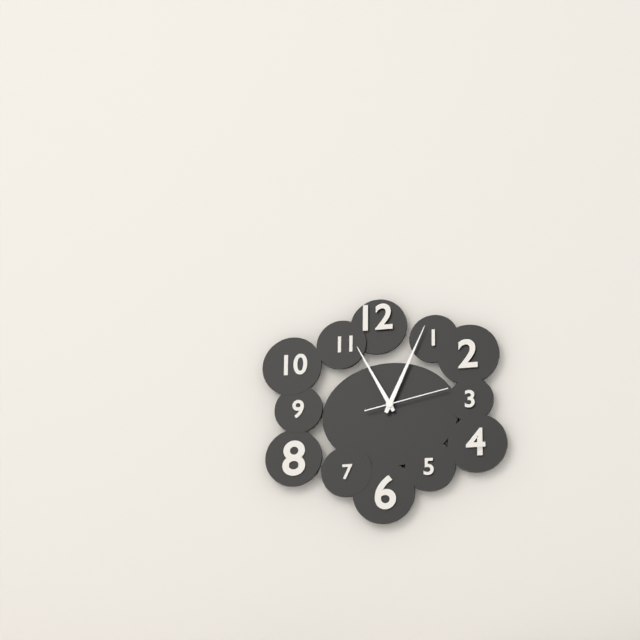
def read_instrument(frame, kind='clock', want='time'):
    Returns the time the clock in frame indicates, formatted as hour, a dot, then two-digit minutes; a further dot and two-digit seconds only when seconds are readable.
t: 11.04.13
